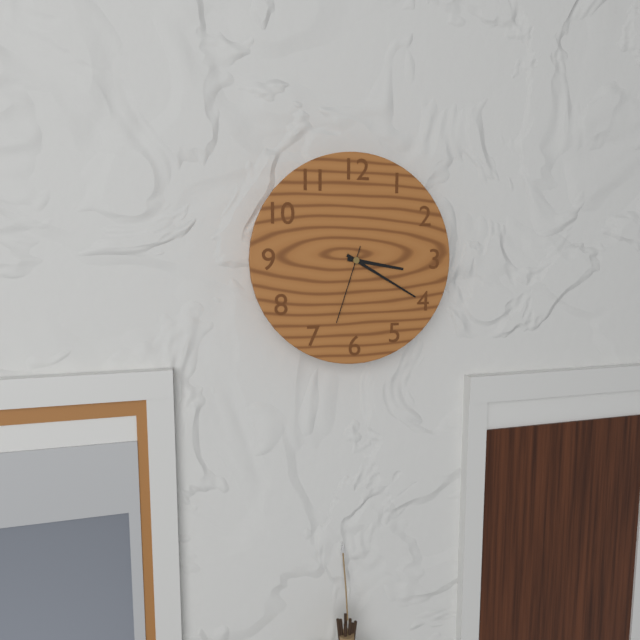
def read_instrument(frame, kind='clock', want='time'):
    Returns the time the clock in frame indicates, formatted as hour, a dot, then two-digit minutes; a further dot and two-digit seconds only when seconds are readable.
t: 3.20.33
